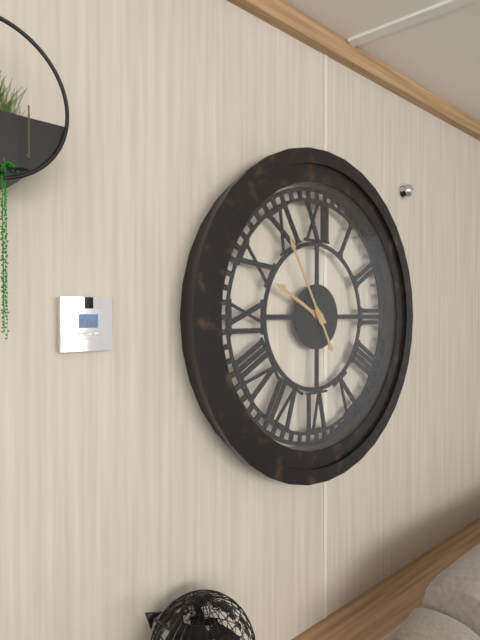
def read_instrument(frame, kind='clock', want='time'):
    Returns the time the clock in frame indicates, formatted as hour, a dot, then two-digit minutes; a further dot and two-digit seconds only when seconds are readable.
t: 9.55
